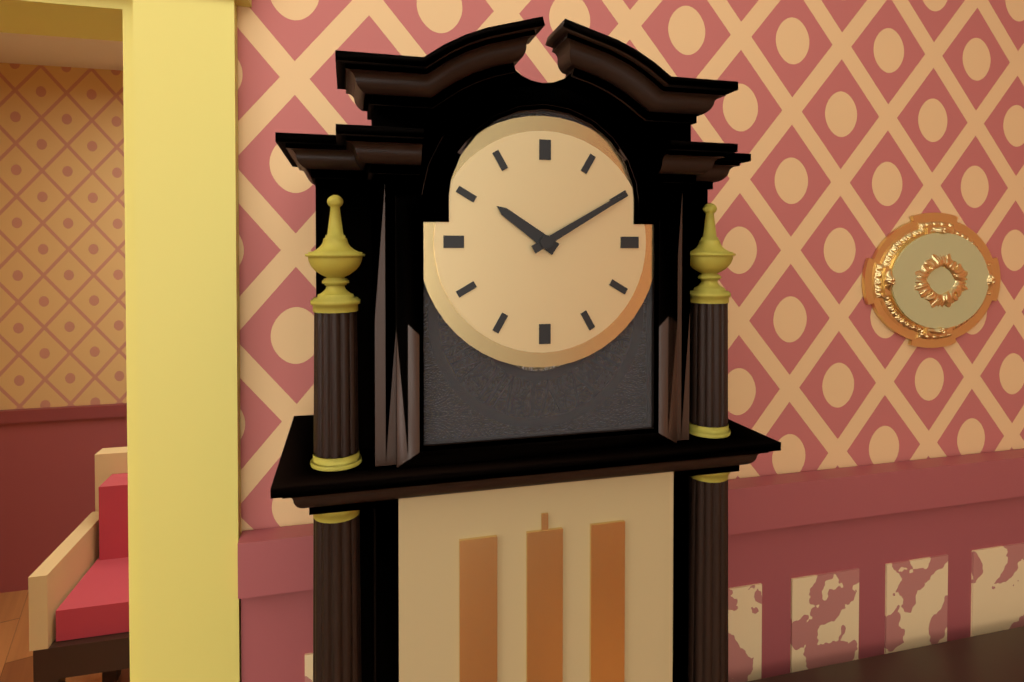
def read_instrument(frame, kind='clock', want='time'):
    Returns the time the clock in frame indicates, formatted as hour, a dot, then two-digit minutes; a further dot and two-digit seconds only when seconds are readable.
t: 10.10
